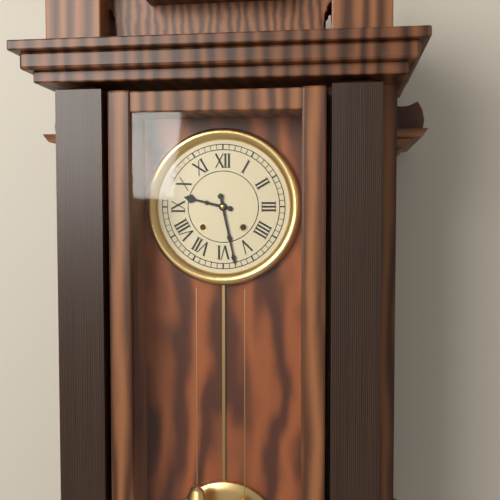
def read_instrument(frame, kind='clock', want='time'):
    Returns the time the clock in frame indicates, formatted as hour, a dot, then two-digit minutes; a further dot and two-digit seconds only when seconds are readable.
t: 9.28
